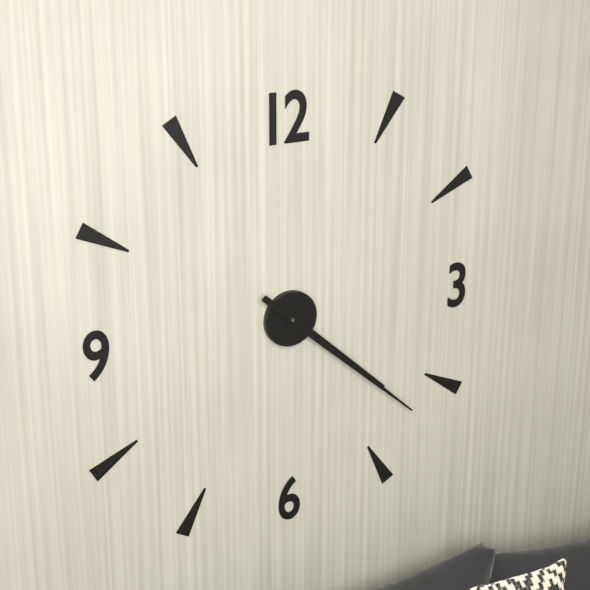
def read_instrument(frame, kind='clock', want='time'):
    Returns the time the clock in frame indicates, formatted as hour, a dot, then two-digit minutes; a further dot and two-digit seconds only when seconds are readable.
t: 4.22
